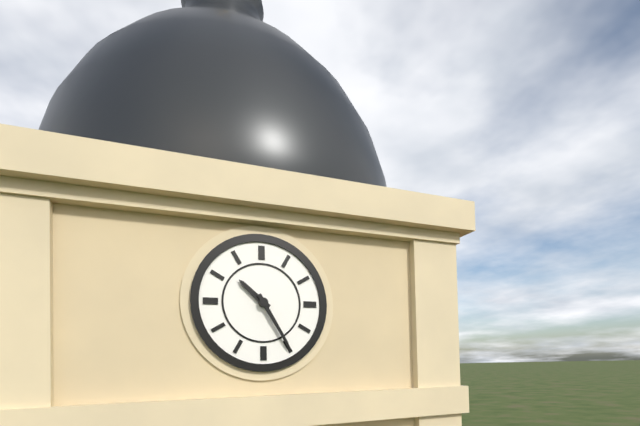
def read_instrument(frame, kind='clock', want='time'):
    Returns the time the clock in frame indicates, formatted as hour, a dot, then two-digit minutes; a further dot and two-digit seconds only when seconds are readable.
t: 10.25
